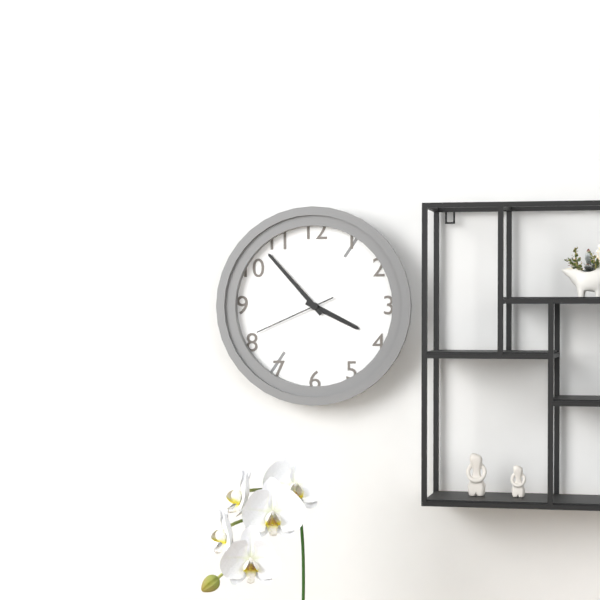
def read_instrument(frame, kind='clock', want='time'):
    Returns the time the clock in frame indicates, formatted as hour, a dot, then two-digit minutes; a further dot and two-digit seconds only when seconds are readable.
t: 3.53.41
